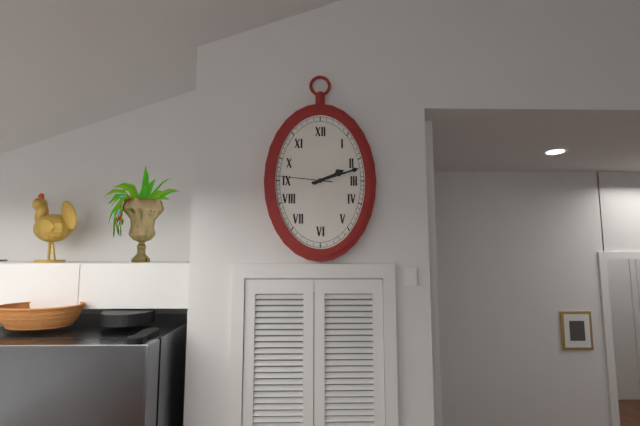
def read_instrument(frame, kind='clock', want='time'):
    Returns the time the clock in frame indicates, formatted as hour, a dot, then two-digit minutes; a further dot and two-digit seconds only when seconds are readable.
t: 2.12.46
